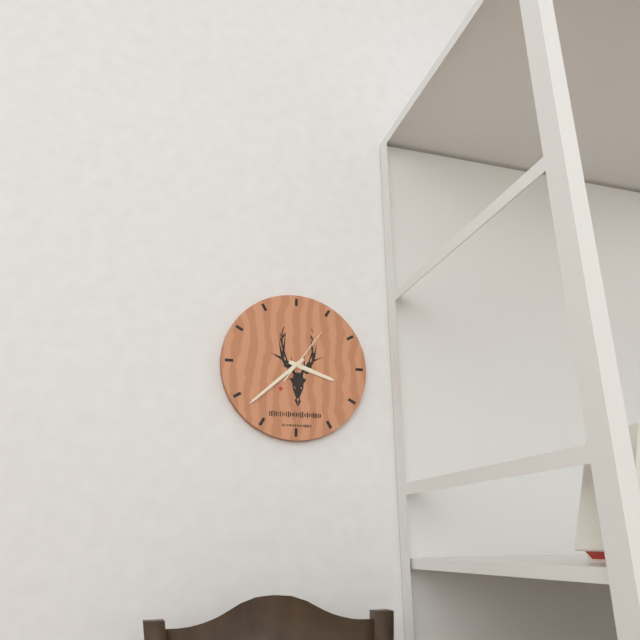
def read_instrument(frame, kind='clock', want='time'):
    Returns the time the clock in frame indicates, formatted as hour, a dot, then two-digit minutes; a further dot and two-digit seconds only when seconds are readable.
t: 3.38.06
